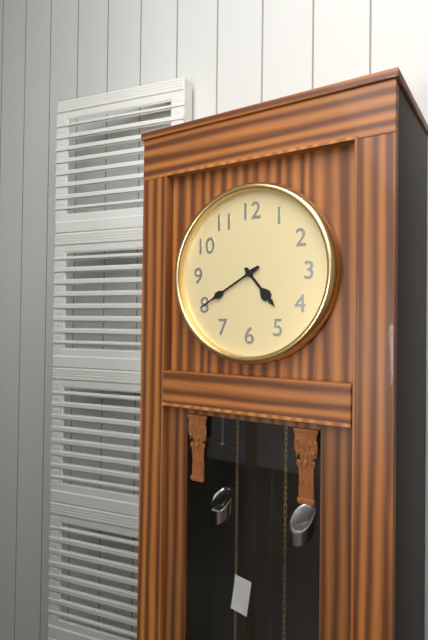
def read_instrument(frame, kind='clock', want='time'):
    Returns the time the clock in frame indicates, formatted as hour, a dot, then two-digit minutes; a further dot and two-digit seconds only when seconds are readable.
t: 4.40
